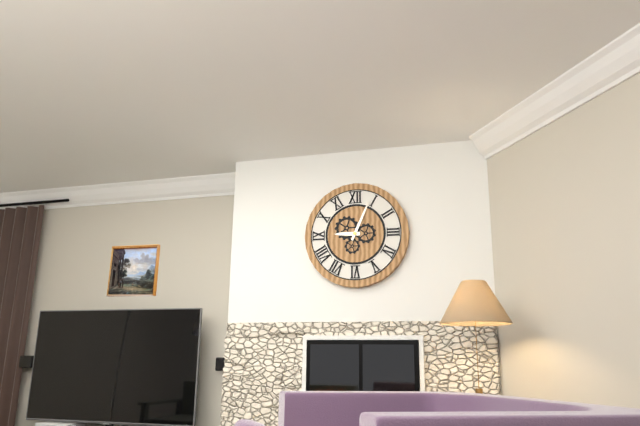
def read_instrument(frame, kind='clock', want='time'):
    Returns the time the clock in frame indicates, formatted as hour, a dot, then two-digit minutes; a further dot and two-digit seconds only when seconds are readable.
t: 9.04
